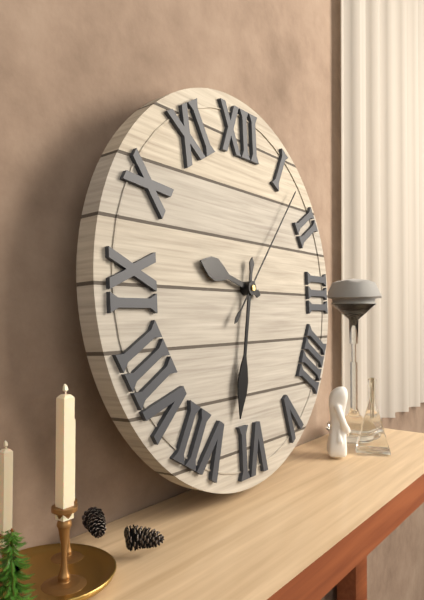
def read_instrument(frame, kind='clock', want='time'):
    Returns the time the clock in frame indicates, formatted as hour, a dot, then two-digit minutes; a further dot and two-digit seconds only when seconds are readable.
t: 9.32.07
